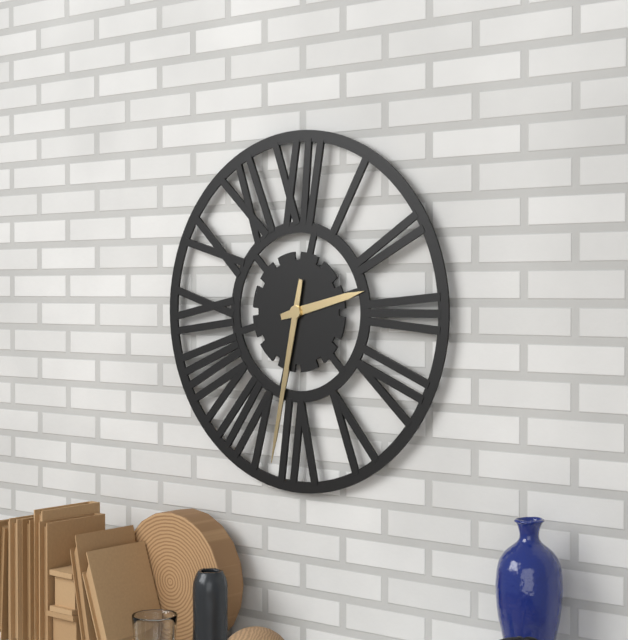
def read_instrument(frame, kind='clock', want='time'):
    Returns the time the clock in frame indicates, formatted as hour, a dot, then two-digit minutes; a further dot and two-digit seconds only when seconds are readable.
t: 2.32
